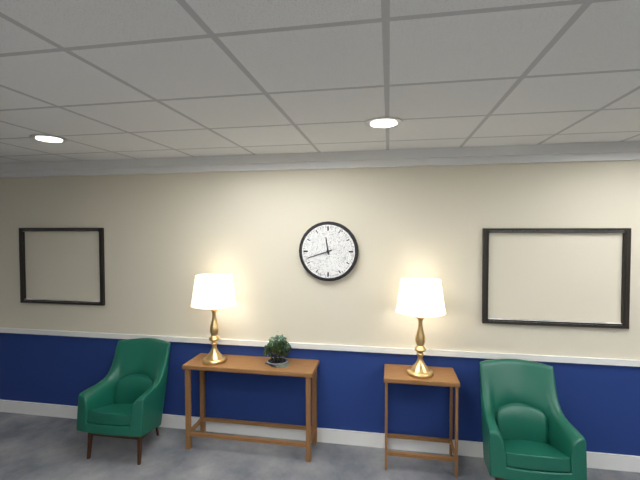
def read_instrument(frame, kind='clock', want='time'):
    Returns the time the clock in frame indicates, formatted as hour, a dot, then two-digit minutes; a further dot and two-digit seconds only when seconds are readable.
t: 11.42
